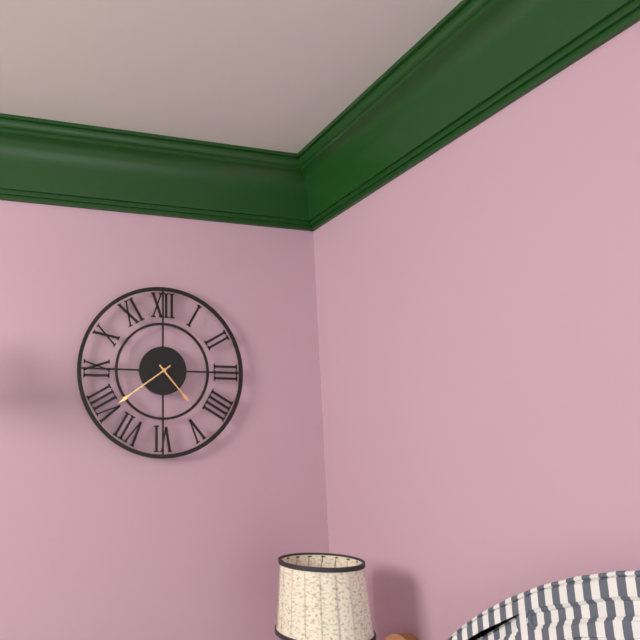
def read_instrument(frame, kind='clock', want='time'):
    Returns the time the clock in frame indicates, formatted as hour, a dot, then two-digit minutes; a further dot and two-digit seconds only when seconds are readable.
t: 4.39
